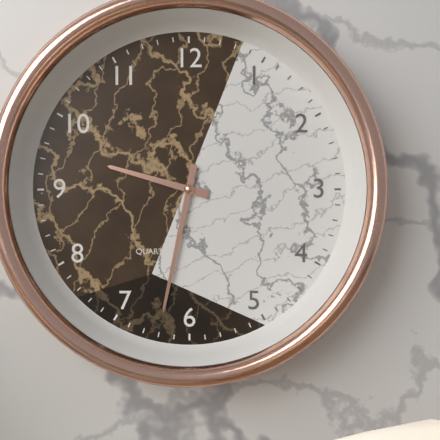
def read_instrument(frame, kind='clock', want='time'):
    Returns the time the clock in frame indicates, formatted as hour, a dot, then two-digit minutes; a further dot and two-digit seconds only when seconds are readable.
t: 9.32
